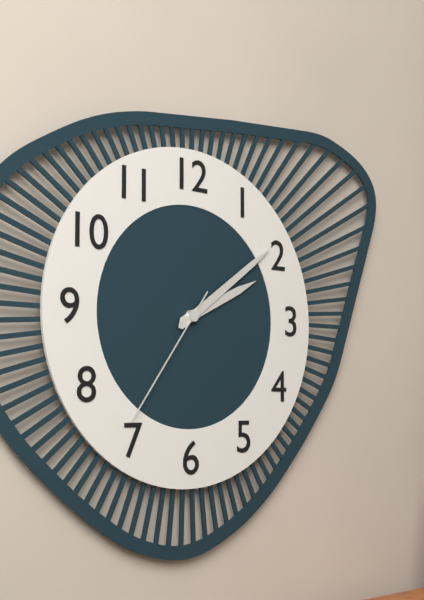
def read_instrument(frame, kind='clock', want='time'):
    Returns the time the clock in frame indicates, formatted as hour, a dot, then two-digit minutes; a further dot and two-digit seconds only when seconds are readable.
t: 2.09.36
